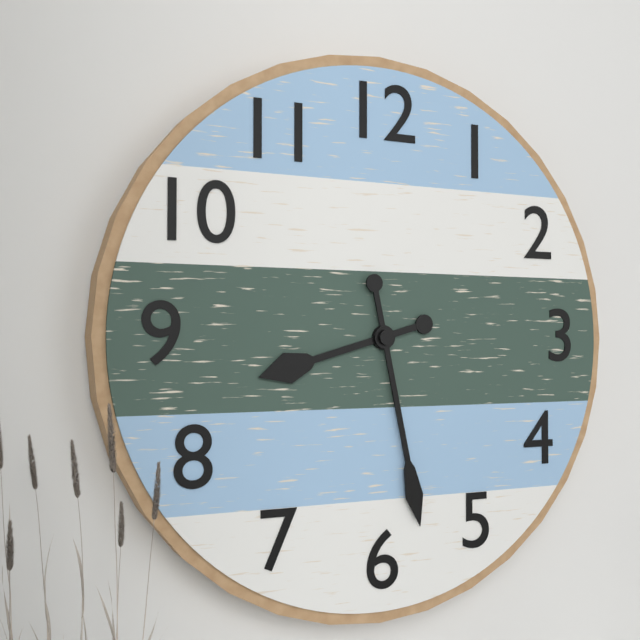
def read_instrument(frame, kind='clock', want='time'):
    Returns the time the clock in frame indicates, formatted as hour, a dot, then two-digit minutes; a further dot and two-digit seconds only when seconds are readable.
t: 8.28
